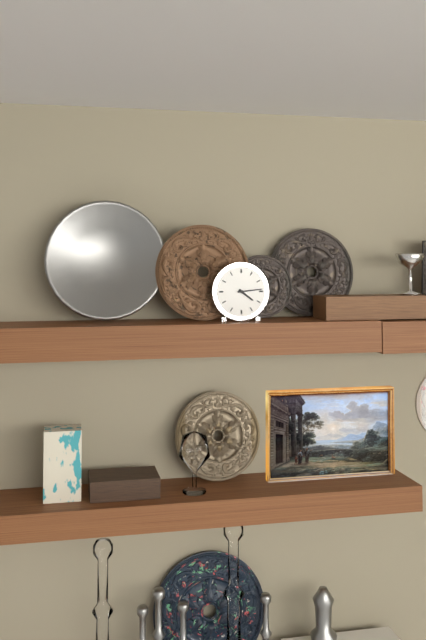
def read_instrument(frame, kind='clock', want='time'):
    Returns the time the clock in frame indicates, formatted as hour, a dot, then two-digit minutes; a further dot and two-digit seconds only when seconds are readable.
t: 4.14
